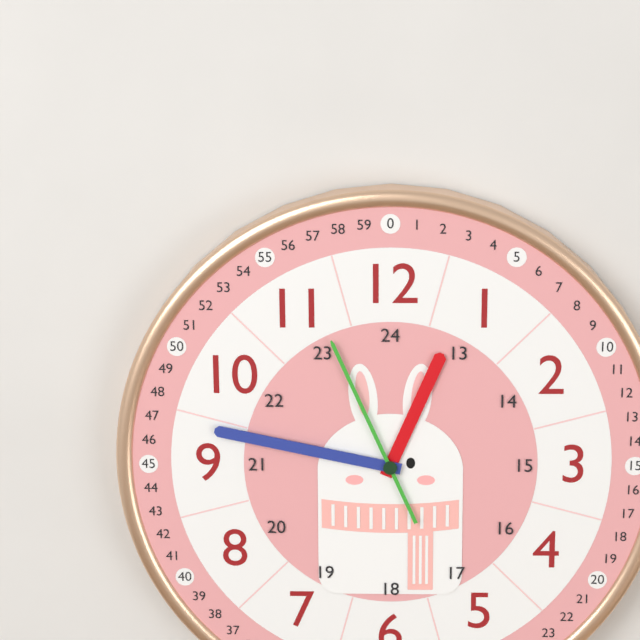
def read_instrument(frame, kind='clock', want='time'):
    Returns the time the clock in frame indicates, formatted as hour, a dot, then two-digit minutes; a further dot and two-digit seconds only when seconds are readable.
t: 12.47.56
